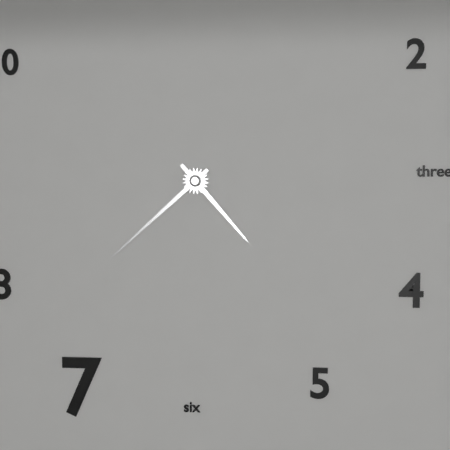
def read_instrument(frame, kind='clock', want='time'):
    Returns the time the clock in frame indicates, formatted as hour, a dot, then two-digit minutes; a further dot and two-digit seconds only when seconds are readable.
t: 4.38
